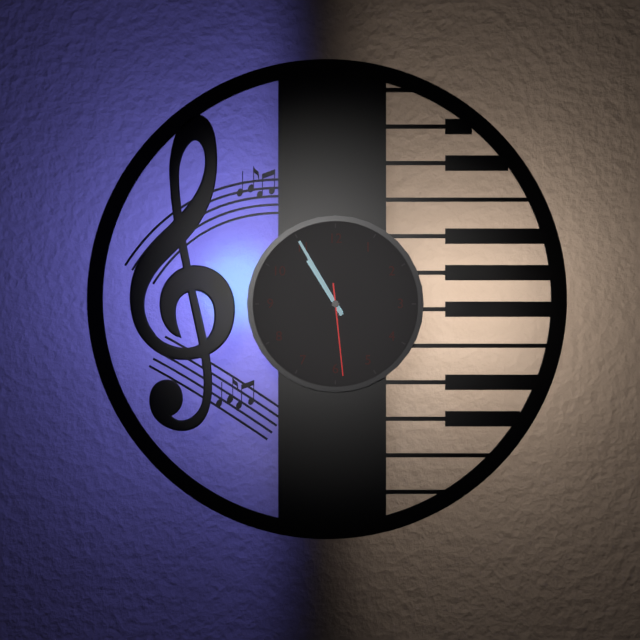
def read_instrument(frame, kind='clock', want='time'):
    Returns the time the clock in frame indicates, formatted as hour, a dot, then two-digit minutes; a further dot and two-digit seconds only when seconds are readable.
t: 10.55.29
